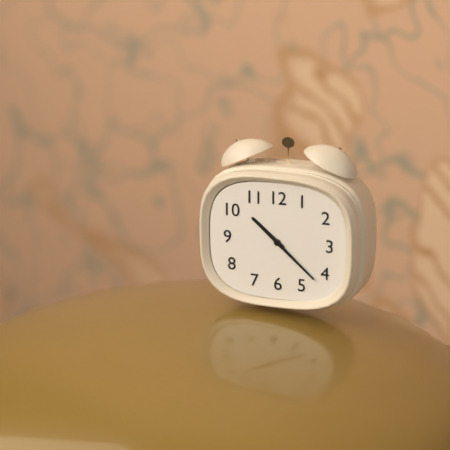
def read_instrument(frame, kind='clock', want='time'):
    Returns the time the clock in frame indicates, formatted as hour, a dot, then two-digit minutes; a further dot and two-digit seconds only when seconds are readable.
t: 10.22
